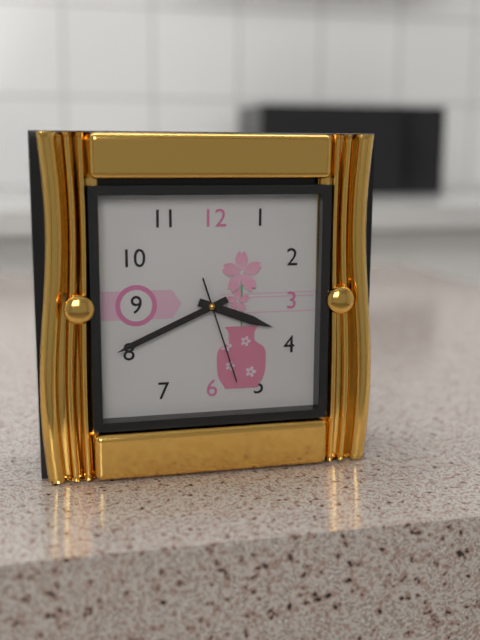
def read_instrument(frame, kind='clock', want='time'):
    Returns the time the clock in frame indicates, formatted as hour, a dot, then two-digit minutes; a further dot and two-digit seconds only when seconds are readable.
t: 3.41.27
